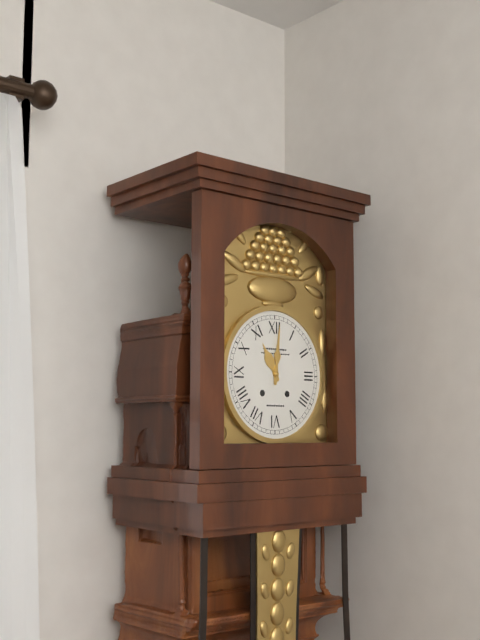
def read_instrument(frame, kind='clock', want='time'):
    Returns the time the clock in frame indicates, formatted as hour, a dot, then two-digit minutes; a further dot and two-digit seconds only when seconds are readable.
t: 11.01
